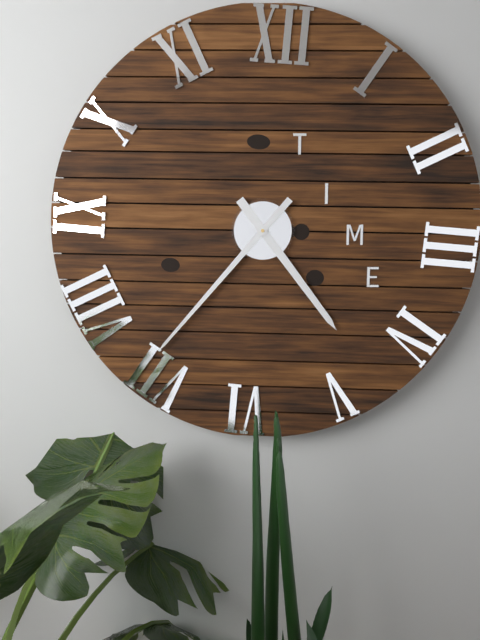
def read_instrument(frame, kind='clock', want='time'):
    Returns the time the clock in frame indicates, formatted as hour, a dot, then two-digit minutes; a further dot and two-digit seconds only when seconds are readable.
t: 4.36
